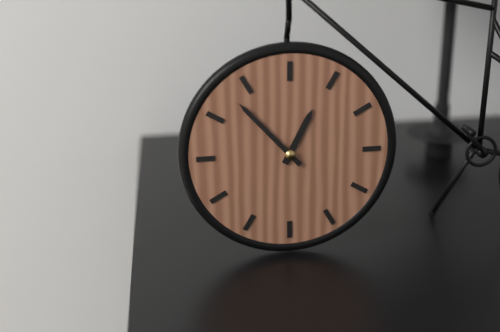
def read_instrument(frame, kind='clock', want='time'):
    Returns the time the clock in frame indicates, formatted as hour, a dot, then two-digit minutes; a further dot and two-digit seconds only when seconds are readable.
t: 12.53
